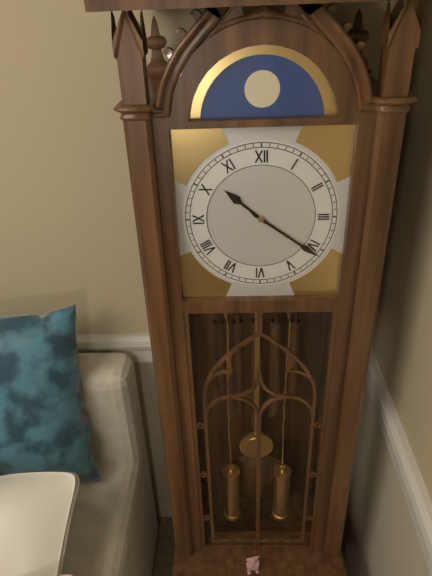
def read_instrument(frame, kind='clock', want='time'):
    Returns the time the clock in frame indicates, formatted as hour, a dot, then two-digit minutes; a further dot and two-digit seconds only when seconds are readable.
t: 10.21
